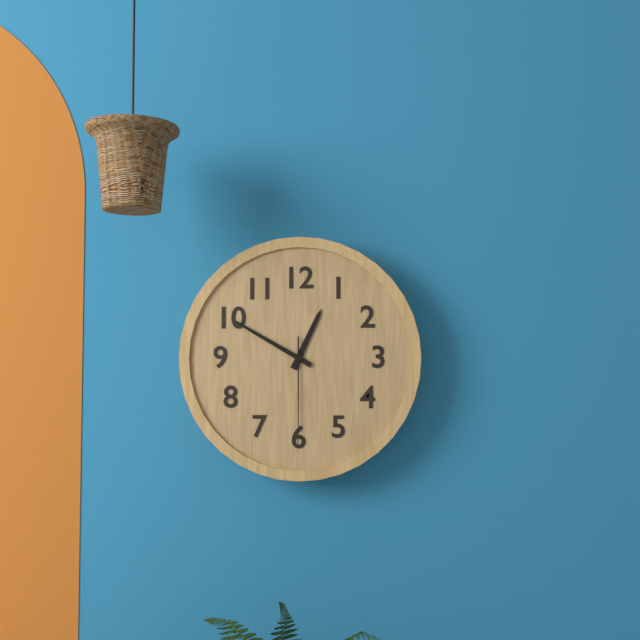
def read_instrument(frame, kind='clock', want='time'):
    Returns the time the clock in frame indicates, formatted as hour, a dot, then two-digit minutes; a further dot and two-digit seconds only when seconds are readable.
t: 12.50.30
